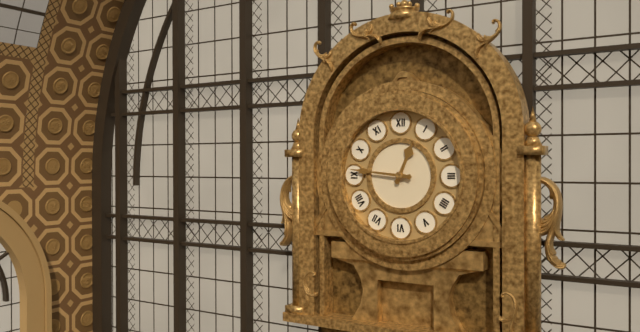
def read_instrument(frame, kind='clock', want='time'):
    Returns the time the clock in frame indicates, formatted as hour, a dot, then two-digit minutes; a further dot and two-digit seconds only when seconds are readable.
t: 12.46
